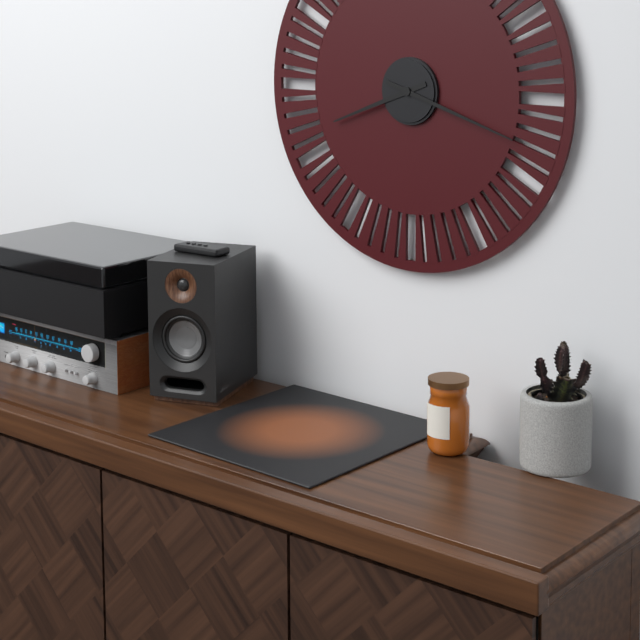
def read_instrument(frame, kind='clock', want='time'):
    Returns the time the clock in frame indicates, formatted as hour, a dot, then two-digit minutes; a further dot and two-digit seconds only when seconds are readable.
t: 8.18
